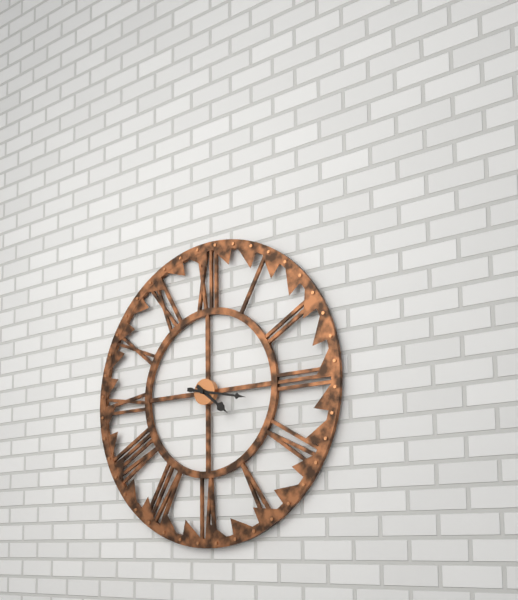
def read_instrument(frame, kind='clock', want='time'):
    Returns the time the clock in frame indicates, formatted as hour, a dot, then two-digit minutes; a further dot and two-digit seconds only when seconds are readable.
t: 4.17
